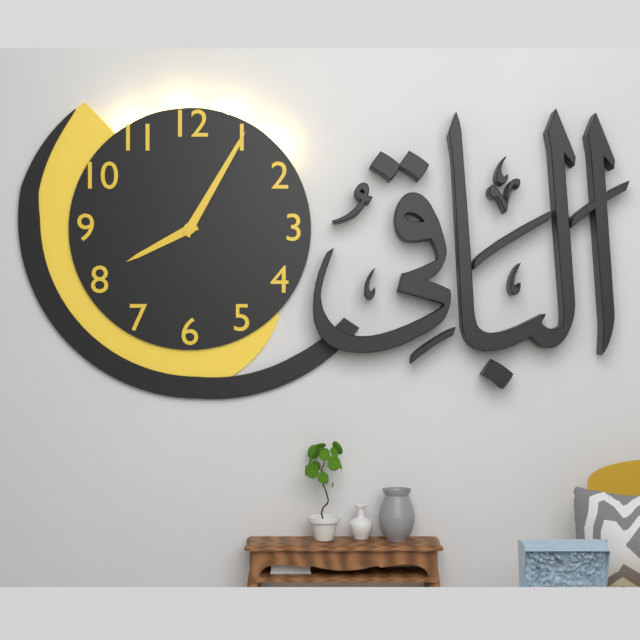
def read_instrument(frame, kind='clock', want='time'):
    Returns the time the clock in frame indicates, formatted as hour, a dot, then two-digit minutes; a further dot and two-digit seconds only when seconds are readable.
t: 8.05
